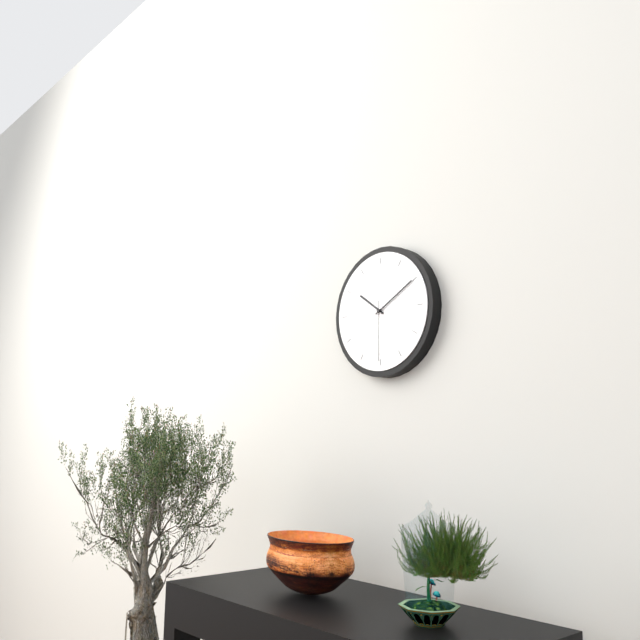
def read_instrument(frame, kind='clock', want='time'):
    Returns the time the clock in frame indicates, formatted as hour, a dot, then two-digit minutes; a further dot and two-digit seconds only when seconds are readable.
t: 10.10.30
